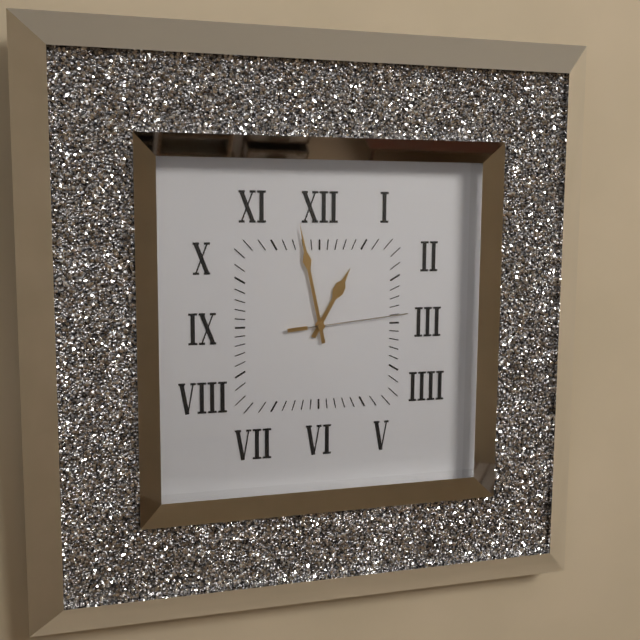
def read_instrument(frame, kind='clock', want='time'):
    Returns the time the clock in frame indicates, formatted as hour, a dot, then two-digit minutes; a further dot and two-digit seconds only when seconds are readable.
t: 12.58.14
